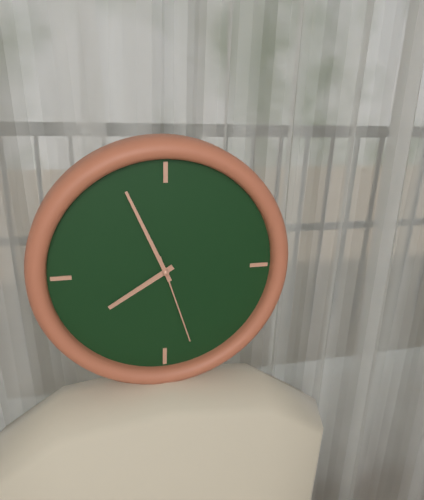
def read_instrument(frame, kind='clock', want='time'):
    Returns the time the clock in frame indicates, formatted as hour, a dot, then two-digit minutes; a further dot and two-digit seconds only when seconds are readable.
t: 7.56.27
